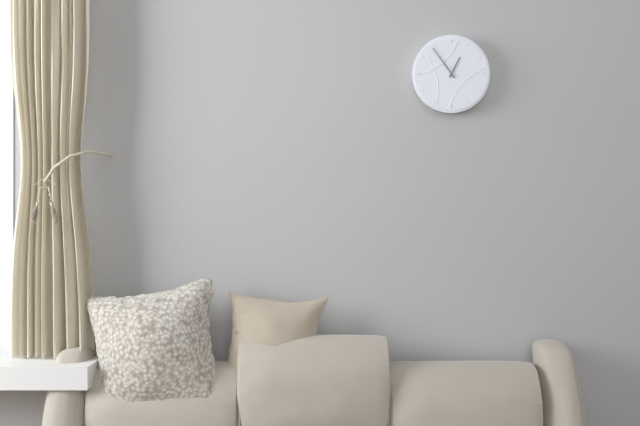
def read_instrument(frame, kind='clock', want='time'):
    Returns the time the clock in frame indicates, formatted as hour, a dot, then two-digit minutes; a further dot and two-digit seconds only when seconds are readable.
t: 12.54
